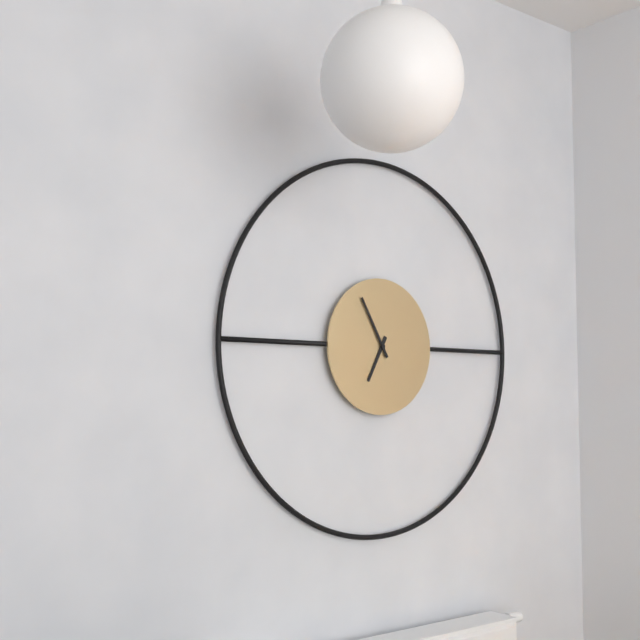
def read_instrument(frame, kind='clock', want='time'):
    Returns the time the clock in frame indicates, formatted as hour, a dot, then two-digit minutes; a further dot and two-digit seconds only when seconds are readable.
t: 6.55
